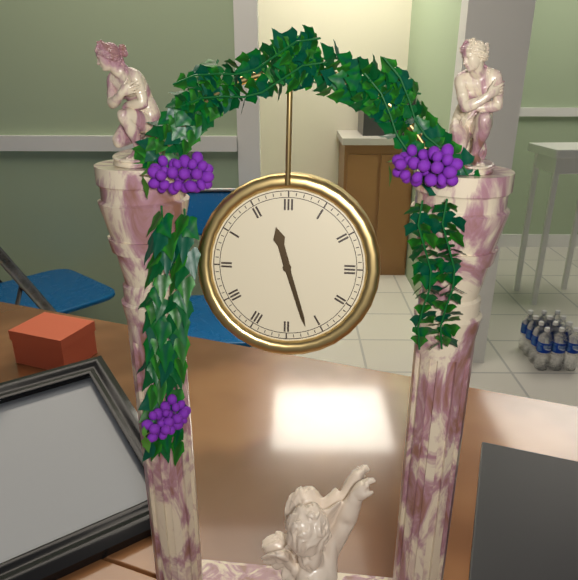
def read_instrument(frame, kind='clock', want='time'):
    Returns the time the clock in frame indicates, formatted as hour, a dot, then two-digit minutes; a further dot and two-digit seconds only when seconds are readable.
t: 11.27
